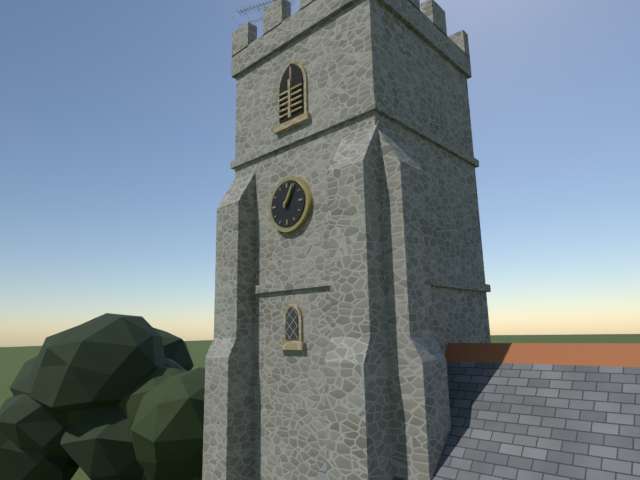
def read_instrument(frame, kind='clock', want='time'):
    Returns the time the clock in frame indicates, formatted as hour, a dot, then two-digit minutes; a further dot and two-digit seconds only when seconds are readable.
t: 1.05
